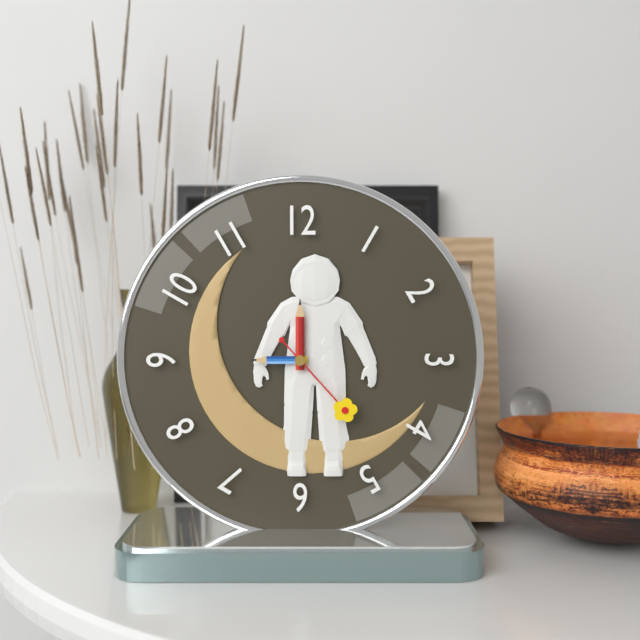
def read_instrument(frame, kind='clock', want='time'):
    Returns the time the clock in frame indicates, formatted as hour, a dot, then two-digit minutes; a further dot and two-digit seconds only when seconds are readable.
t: 9.00.23
